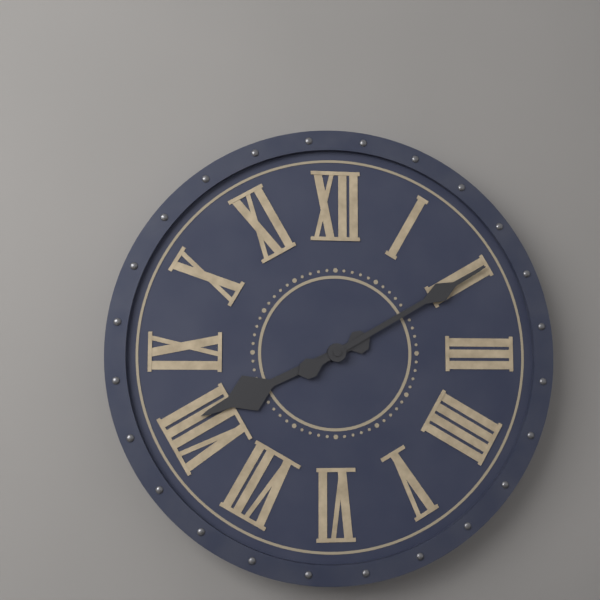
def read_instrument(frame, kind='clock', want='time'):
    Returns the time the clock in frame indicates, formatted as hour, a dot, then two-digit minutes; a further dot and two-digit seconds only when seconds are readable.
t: 8.10
